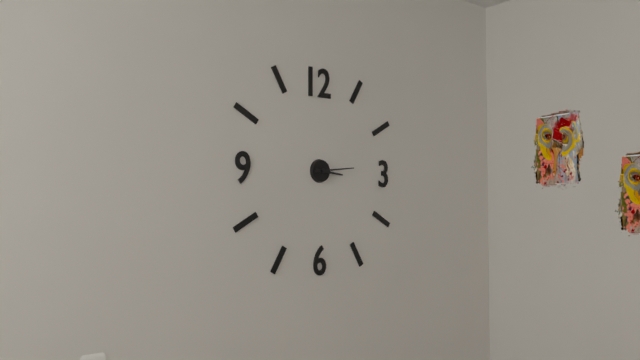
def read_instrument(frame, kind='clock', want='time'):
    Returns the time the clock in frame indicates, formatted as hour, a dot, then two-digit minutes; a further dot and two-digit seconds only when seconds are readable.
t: 3.14
